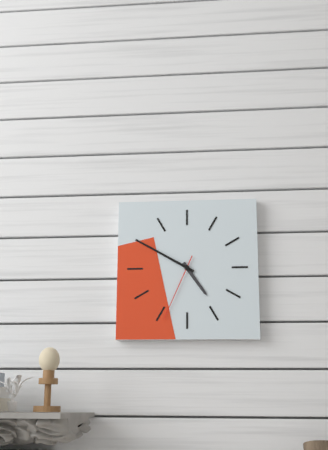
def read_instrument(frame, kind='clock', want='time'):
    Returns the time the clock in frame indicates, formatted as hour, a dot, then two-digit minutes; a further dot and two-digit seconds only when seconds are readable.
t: 4.50.34
